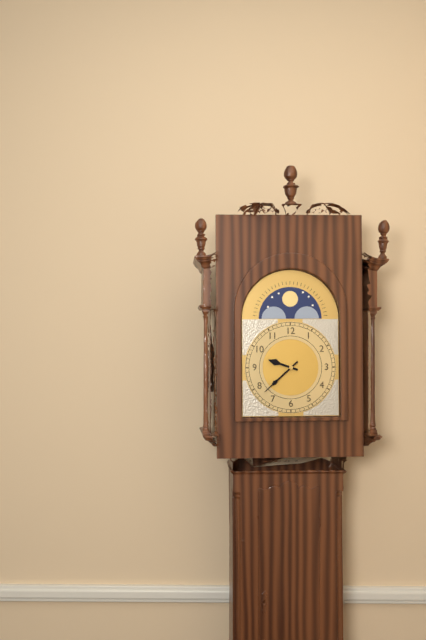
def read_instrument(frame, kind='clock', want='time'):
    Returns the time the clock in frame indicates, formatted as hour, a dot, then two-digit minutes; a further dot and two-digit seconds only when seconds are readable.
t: 9.38
